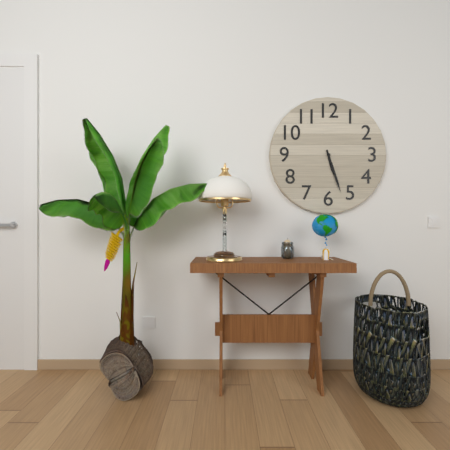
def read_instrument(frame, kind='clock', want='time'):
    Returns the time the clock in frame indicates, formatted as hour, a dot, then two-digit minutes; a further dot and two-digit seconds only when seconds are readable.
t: 5.27
